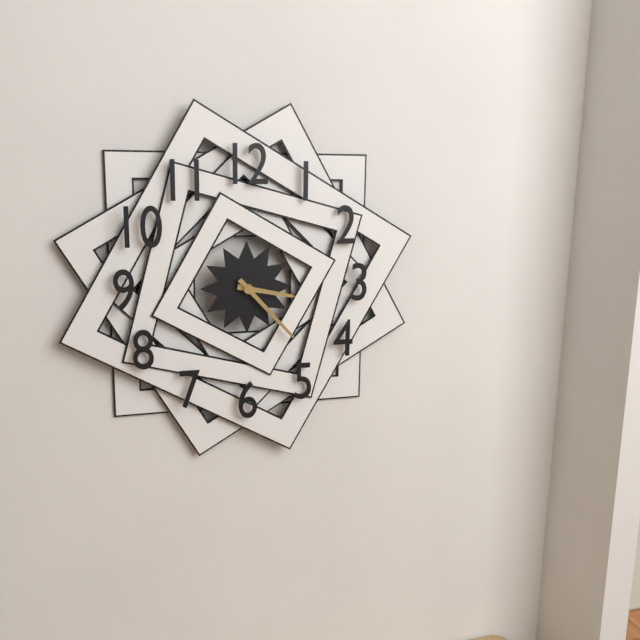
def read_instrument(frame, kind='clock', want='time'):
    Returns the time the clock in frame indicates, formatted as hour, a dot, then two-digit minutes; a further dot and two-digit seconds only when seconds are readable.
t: 3.23
